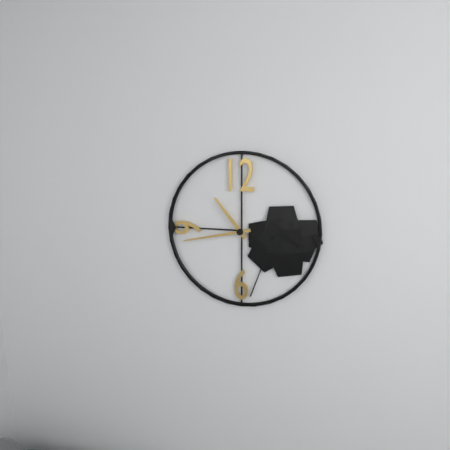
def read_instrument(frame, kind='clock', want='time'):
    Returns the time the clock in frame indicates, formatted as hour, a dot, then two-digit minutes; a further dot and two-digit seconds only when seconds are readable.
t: 10.43
